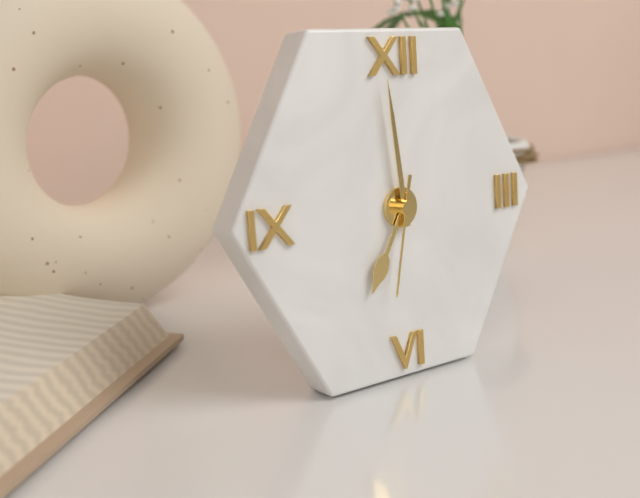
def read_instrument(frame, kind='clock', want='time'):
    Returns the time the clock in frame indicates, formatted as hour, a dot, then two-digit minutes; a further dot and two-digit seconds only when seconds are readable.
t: 6.59.32
